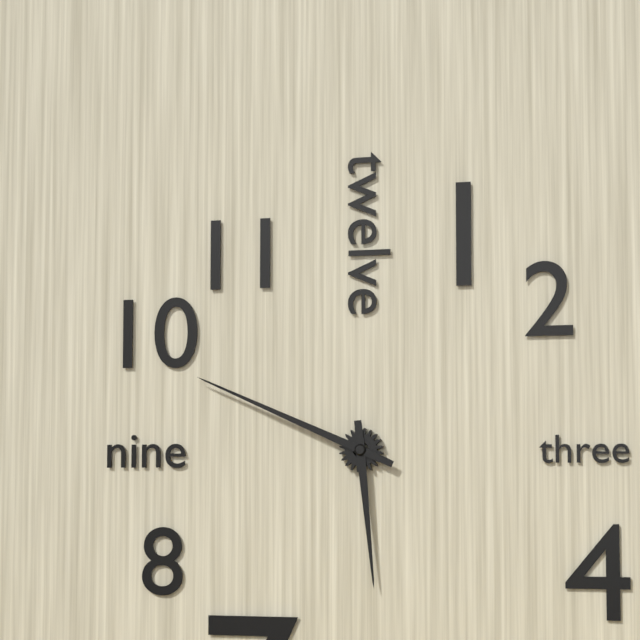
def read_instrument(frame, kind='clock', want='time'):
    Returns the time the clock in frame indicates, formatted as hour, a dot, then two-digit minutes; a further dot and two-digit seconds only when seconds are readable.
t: 5.49
